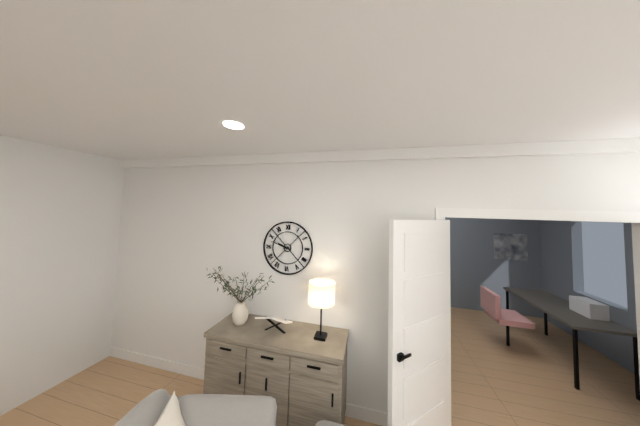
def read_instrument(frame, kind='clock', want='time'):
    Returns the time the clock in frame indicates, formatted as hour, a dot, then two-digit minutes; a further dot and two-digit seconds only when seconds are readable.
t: 9.48
